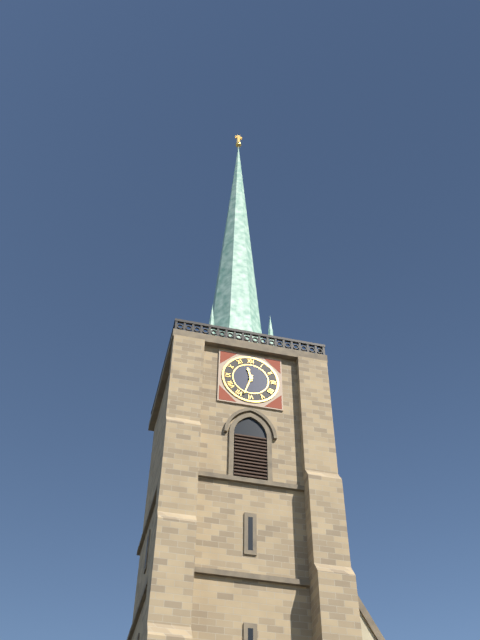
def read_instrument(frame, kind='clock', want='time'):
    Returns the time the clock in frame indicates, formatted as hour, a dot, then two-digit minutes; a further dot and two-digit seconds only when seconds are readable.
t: 11.33
